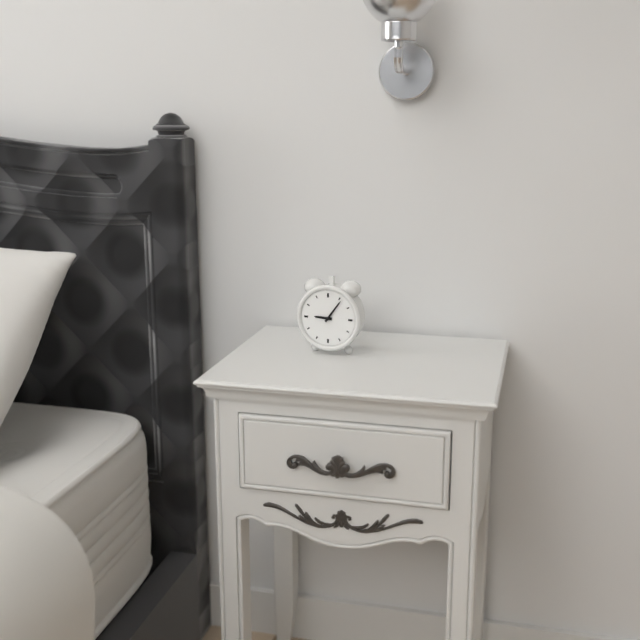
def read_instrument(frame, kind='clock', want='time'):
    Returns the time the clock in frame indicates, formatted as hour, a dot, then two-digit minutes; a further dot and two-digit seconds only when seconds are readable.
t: 9.06
